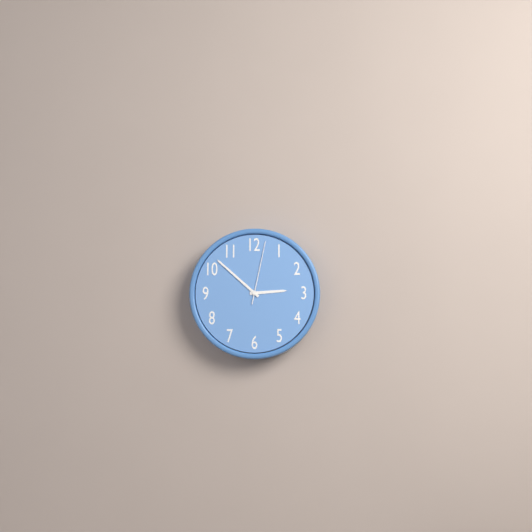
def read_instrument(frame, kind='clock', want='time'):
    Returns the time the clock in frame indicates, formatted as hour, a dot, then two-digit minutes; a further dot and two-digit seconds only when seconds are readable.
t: 2.52.02
